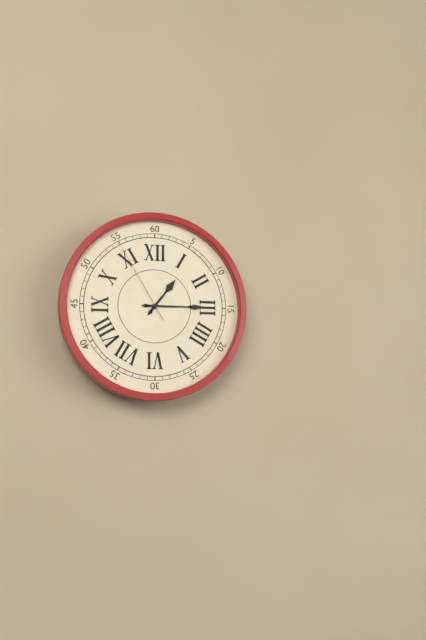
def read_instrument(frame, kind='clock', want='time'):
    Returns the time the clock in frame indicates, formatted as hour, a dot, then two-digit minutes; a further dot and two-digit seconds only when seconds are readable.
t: 1.15.55
